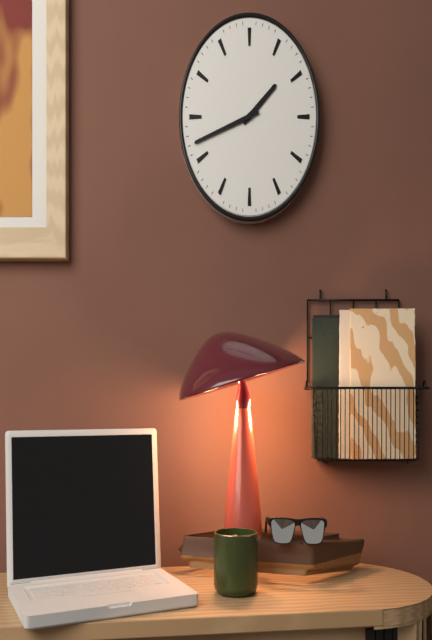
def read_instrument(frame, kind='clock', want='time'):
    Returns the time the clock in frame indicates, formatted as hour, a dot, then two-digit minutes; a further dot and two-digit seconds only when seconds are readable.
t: 1.42
